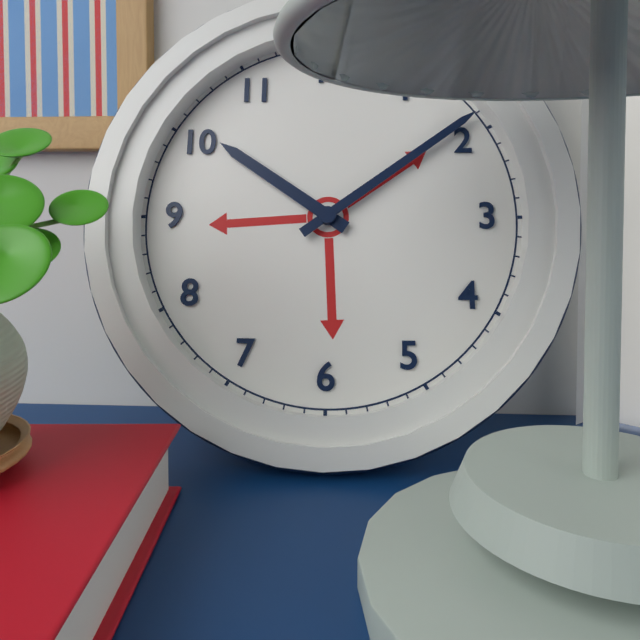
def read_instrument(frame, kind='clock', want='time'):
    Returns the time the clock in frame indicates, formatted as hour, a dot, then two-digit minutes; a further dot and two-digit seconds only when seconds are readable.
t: 10.09
